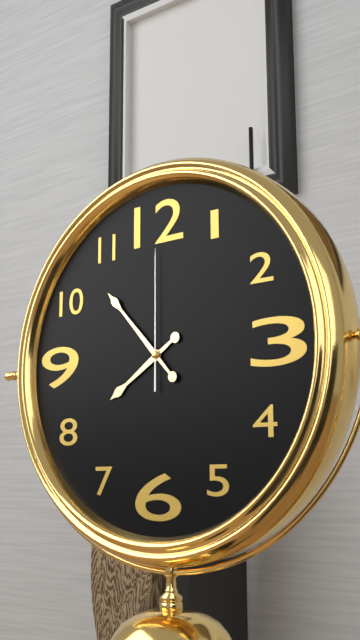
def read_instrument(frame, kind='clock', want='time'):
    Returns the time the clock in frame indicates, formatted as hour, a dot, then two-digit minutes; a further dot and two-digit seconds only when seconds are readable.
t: 7.53.00
